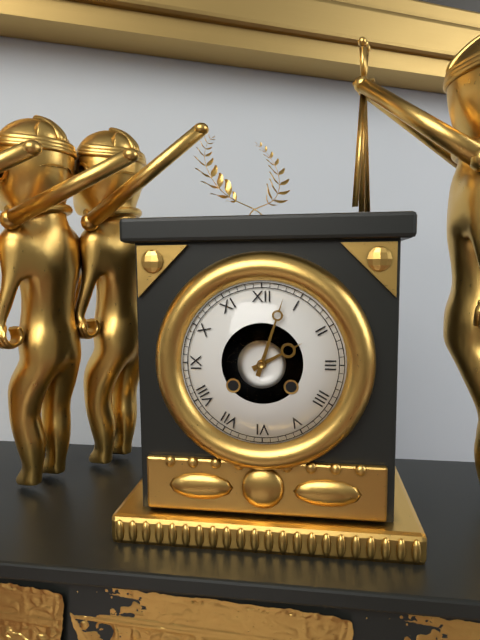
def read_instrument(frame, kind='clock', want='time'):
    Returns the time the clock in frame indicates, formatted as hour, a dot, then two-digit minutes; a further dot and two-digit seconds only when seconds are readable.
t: 2.03
